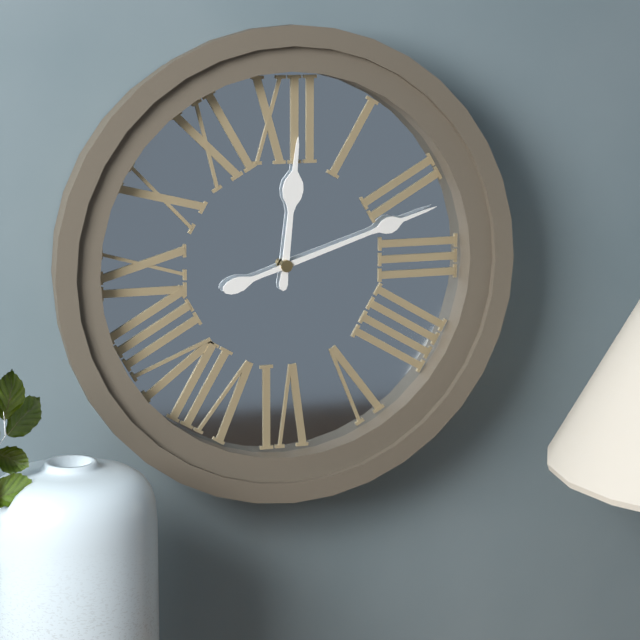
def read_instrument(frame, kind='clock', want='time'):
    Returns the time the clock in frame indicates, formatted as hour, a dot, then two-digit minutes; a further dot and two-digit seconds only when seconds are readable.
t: 12.12
